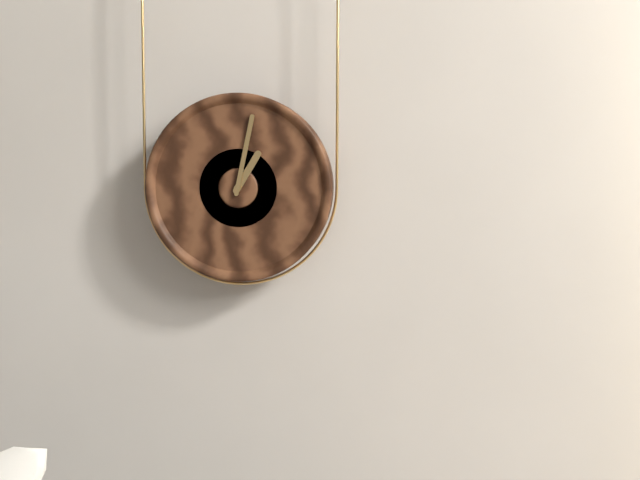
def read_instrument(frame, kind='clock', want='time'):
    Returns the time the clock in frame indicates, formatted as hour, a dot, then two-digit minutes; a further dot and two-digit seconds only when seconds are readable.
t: 1.02
